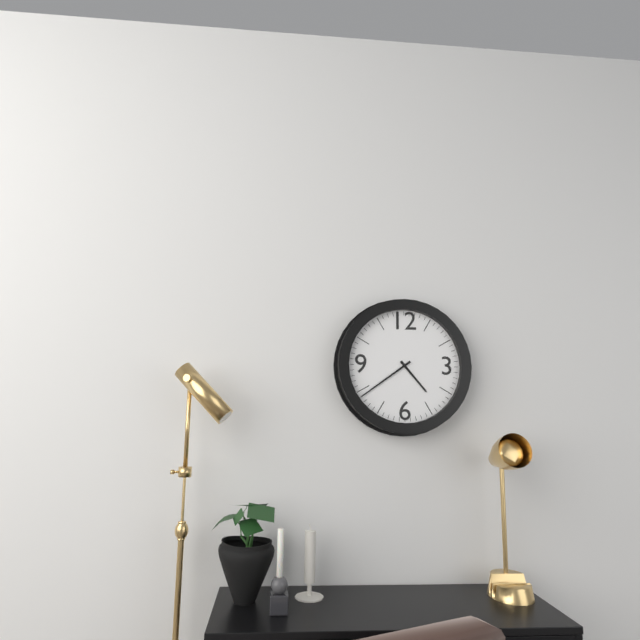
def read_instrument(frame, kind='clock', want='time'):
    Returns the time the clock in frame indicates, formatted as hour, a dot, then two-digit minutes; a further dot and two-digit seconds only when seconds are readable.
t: 4.39
